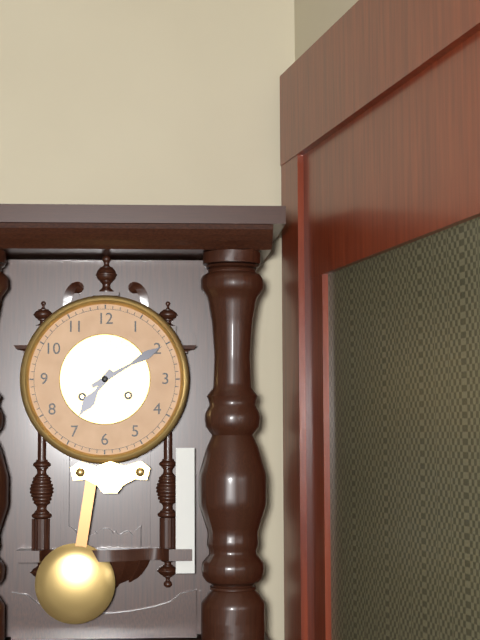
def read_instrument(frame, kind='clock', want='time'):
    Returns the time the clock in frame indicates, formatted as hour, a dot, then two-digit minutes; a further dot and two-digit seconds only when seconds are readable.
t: 7.10
